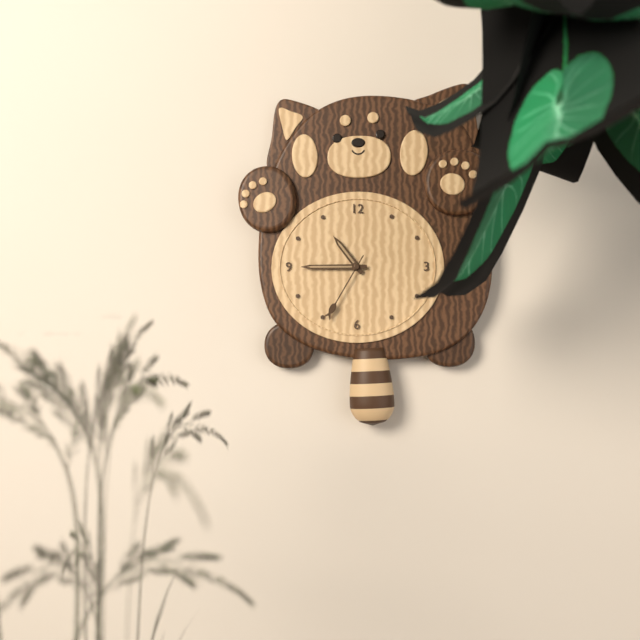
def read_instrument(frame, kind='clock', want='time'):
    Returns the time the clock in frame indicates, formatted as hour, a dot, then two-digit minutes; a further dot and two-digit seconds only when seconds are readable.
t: 10.45.35
